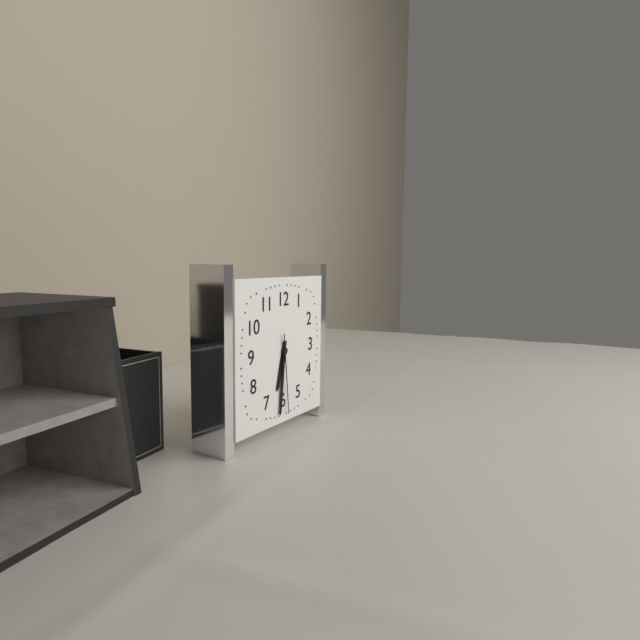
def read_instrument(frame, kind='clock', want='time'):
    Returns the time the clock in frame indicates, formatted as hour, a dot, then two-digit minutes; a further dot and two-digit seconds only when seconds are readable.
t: 6.31.29
